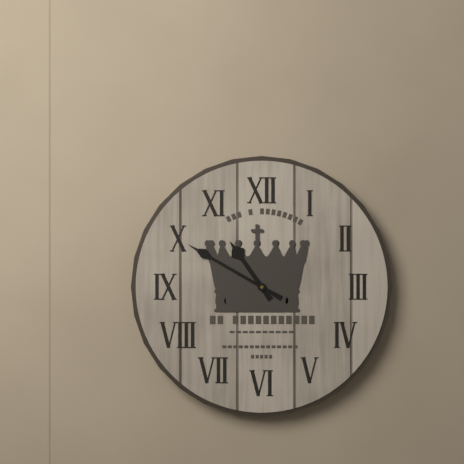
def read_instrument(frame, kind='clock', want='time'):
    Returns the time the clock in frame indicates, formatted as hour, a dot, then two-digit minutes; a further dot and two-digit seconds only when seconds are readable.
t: 10.50
